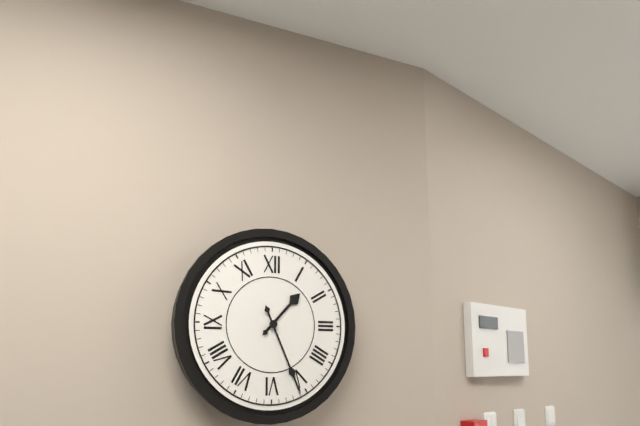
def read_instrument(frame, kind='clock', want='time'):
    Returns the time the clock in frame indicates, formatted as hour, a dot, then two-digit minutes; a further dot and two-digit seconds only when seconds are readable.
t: 1.26
